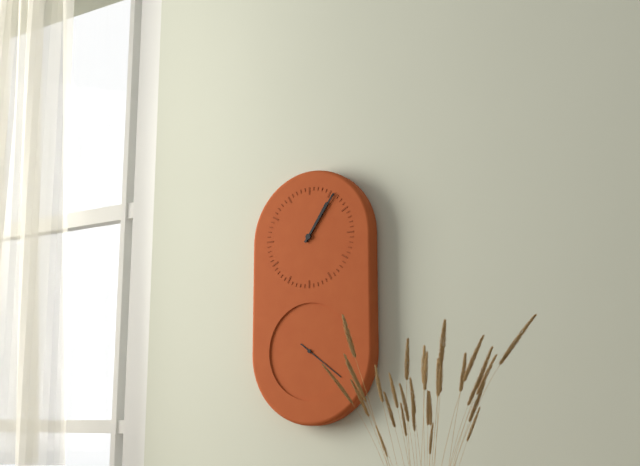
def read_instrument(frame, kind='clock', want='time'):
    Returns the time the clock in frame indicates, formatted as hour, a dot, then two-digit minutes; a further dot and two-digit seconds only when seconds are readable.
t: 1.06
